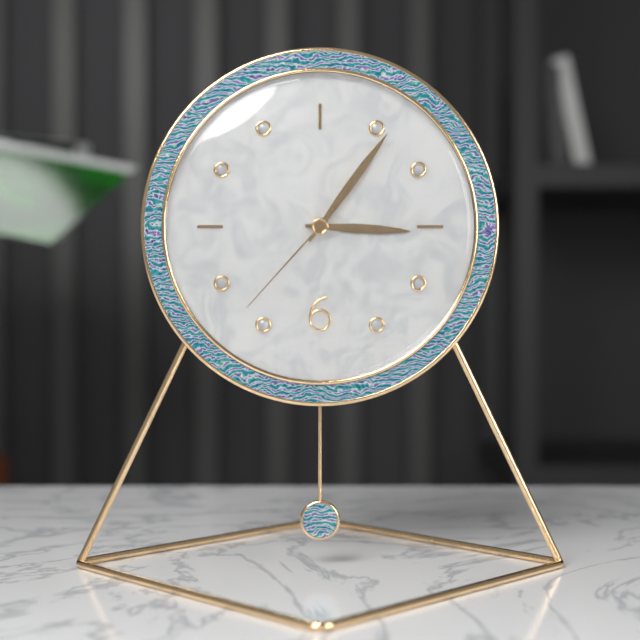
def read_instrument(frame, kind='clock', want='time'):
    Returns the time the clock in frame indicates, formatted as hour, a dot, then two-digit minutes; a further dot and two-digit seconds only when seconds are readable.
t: 3.06.37
